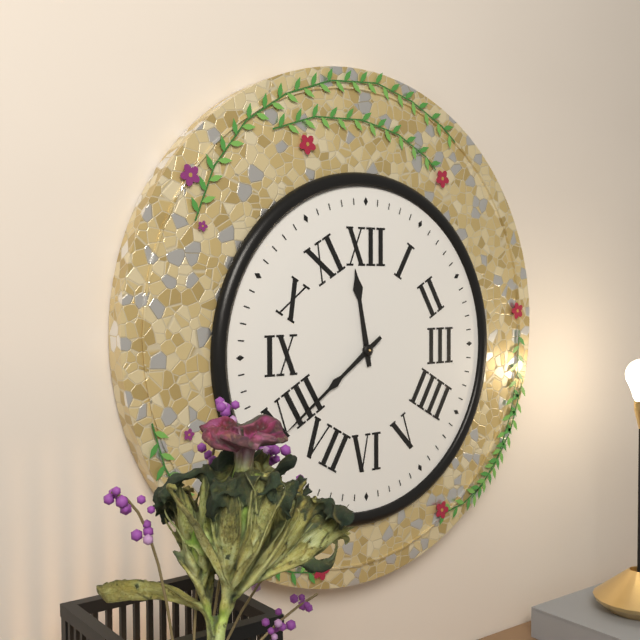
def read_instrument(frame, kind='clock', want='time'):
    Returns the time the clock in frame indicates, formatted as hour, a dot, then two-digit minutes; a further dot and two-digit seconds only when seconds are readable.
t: 11.39
